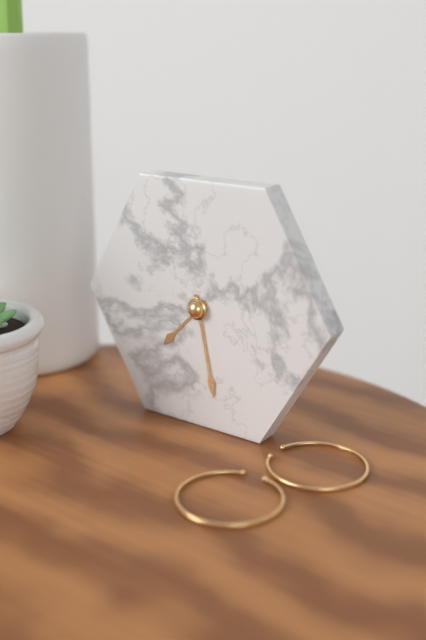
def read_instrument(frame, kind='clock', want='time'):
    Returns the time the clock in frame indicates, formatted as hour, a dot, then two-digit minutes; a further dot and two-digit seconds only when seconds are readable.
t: 7.28
